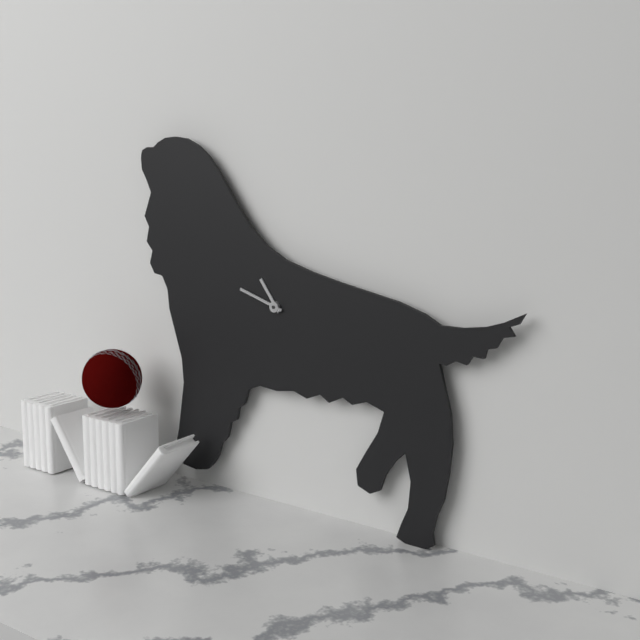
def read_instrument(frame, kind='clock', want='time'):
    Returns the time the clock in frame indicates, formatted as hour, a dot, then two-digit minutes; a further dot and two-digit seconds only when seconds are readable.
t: 10.48
